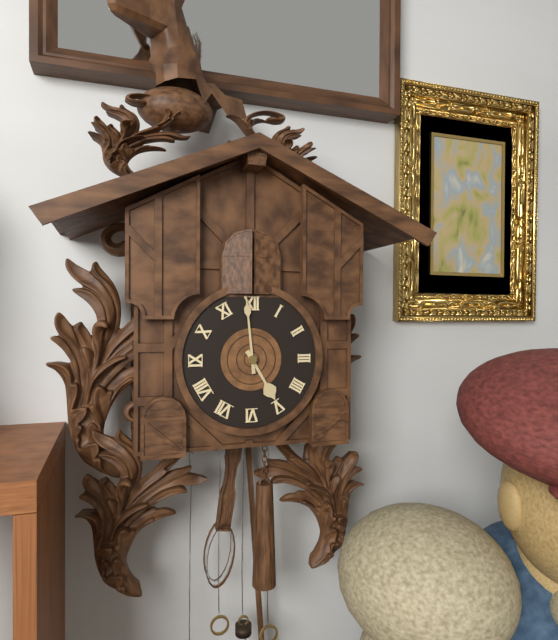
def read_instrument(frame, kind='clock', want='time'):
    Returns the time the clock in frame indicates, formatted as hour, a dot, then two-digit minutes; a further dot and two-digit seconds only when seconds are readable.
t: 4.59
